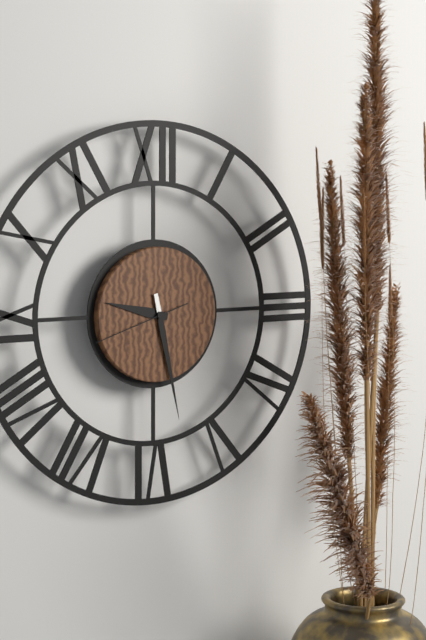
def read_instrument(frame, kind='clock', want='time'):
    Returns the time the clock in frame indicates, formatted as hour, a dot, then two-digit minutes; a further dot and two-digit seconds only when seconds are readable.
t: 9.28.42
